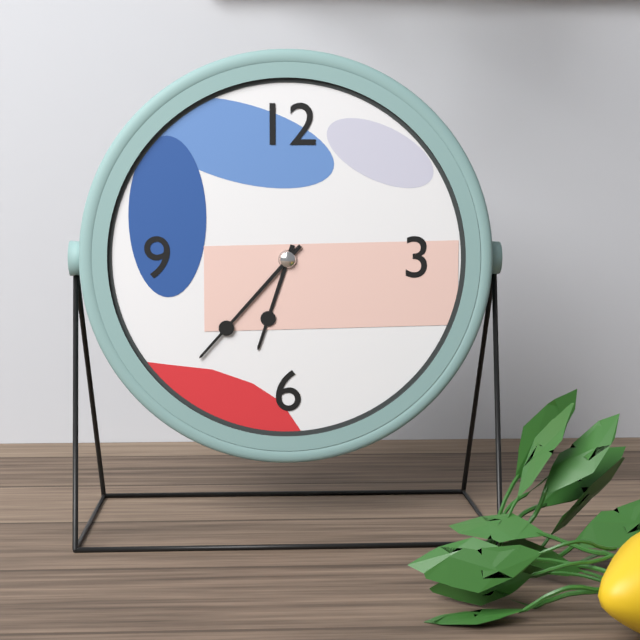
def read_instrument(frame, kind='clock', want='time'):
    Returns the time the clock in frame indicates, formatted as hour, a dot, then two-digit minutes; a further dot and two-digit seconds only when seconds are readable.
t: 6.37
